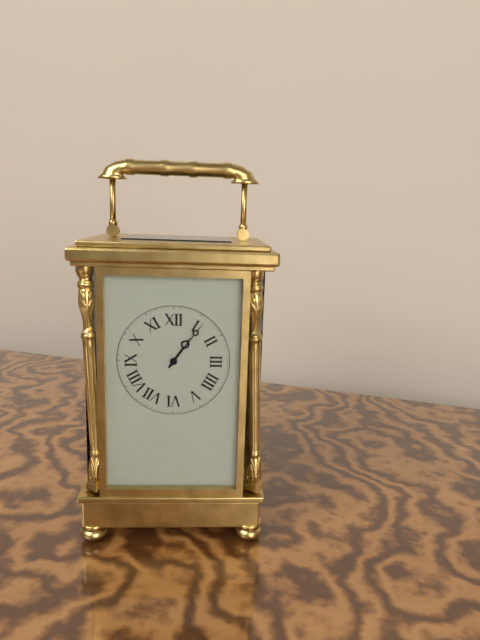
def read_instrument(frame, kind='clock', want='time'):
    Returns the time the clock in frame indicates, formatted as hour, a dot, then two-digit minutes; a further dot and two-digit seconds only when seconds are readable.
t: 1.06
